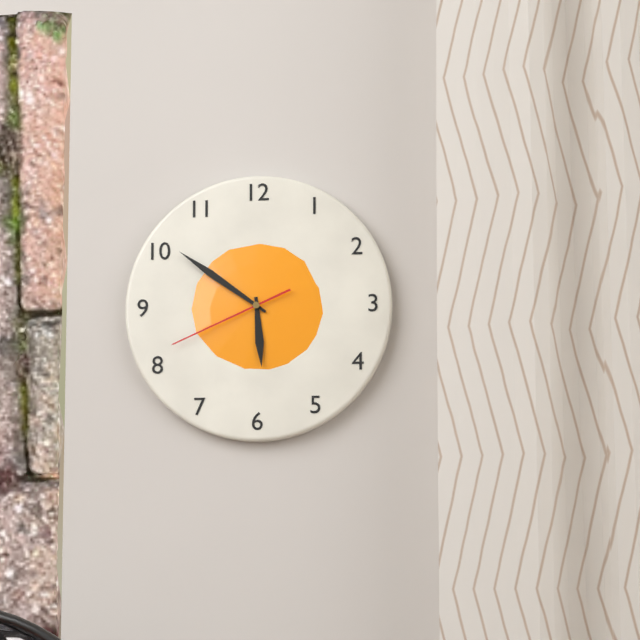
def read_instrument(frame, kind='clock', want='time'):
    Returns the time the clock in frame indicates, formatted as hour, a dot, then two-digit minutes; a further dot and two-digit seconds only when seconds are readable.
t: 5.51.41
